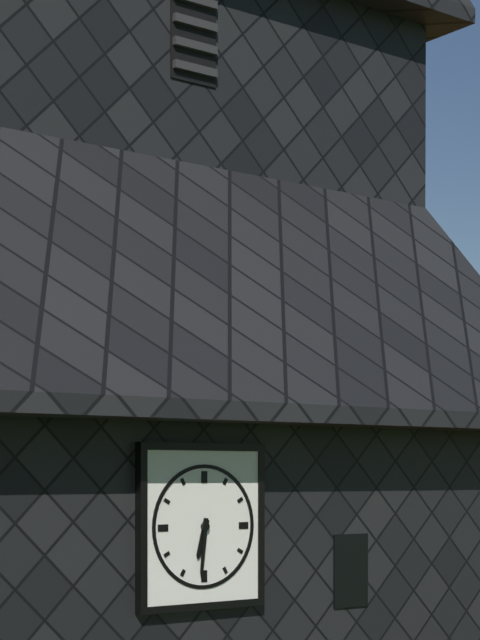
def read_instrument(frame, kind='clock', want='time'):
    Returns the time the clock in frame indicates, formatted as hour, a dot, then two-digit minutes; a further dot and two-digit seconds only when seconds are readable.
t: 6.31
